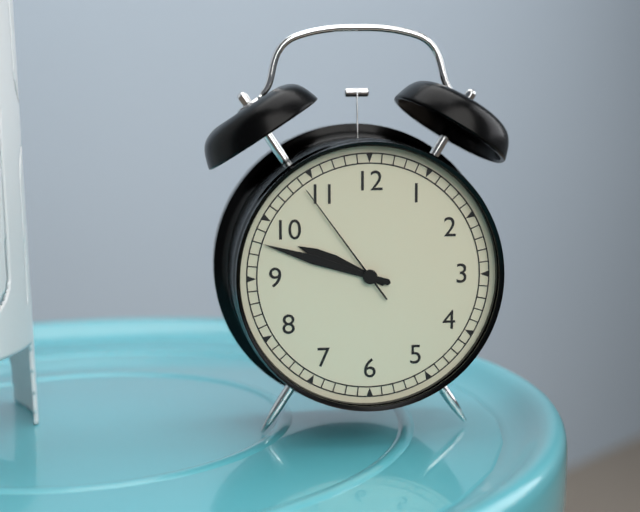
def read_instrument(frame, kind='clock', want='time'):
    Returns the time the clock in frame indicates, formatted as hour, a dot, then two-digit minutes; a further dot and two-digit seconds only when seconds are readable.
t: 9.48.54
